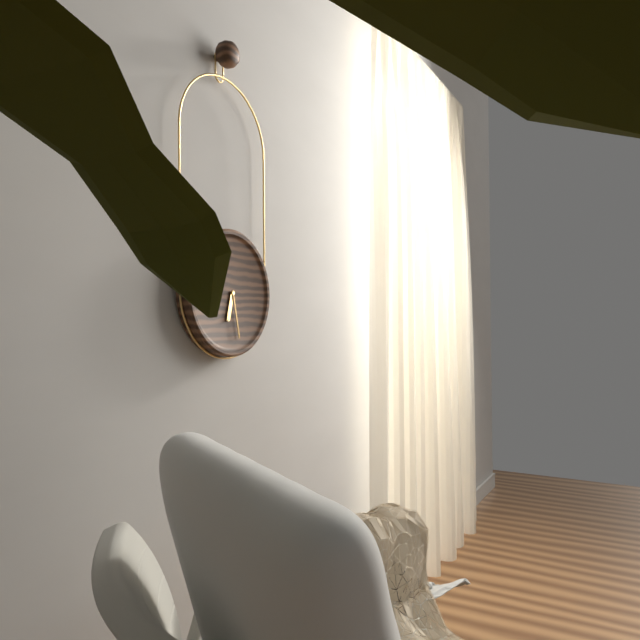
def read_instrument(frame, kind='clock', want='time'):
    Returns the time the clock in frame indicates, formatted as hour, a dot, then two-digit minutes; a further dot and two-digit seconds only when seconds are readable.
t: 6.28
